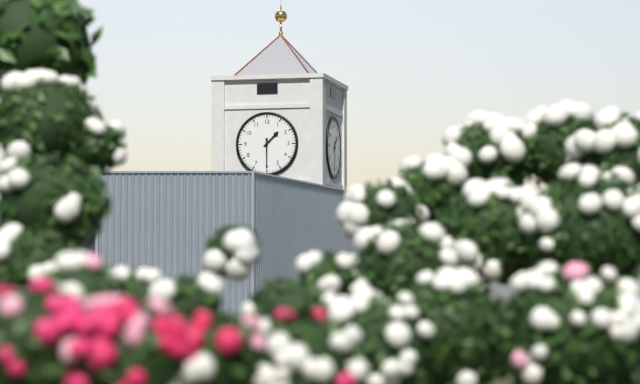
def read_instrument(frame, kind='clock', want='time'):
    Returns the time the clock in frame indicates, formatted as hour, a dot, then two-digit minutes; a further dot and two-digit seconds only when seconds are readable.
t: 1.30
